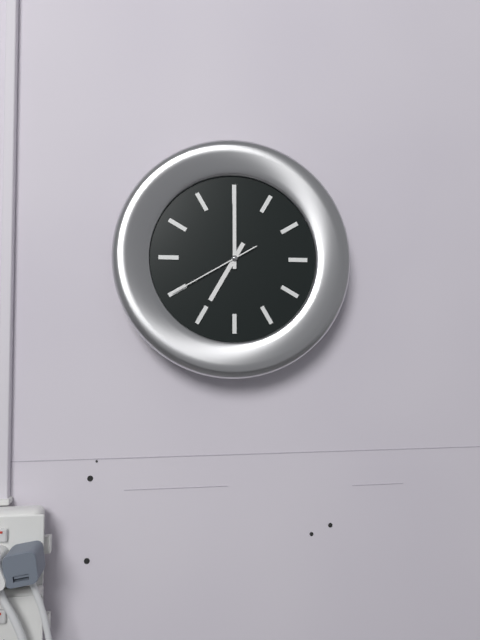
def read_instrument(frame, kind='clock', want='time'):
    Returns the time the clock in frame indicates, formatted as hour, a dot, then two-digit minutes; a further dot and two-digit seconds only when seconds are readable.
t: 7.00.40
